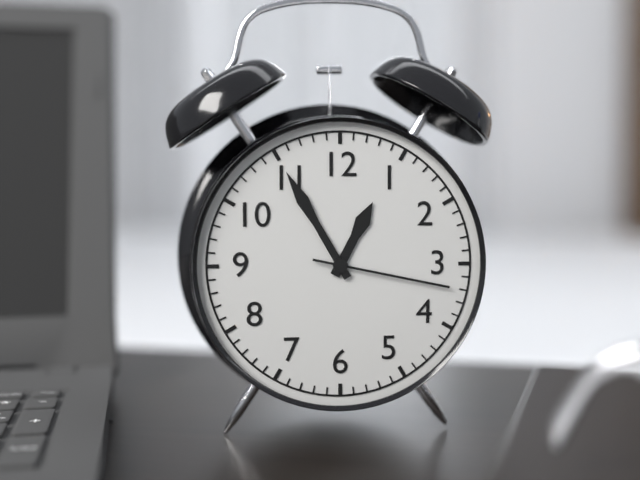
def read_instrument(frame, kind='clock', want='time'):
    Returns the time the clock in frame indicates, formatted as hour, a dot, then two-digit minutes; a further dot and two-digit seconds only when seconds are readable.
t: 12.55.17
